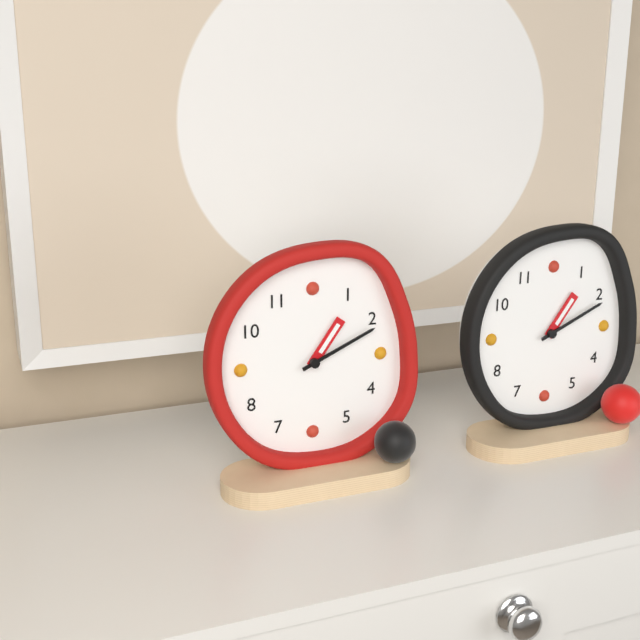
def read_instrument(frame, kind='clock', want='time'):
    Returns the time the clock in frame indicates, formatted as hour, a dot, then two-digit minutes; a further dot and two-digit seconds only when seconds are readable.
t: 1.11
